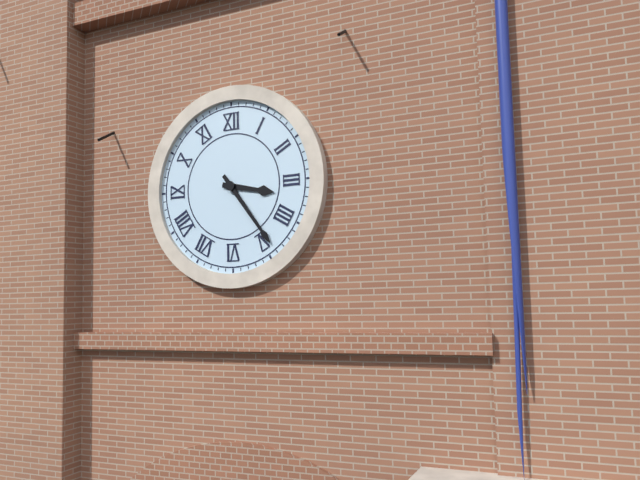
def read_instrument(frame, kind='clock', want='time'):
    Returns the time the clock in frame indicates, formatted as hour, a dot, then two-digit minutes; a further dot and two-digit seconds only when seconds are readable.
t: 3.24
